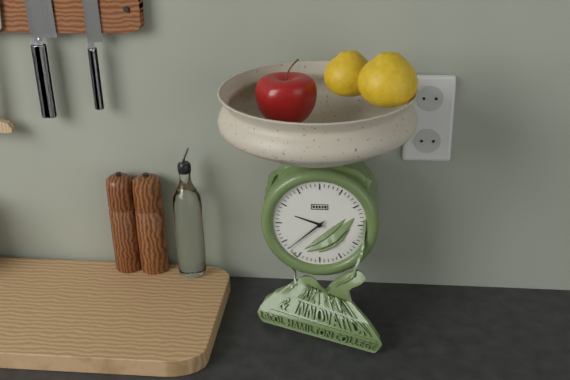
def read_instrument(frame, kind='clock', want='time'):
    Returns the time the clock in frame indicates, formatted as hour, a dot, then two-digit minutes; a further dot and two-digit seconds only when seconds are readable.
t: 9.38
